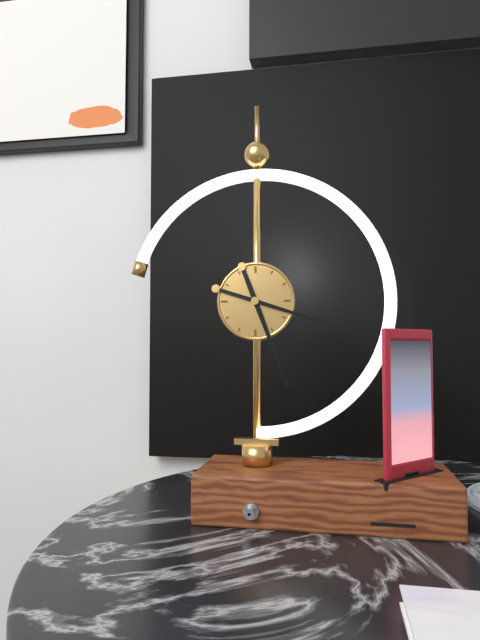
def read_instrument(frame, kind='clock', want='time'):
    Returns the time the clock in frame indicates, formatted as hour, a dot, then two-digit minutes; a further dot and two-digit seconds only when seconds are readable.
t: 5.18
